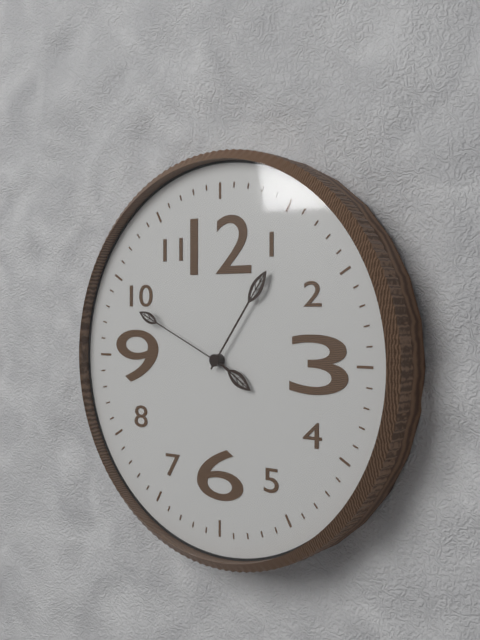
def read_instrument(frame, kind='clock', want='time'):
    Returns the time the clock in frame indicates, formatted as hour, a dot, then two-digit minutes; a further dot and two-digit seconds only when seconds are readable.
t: 4.06.49
